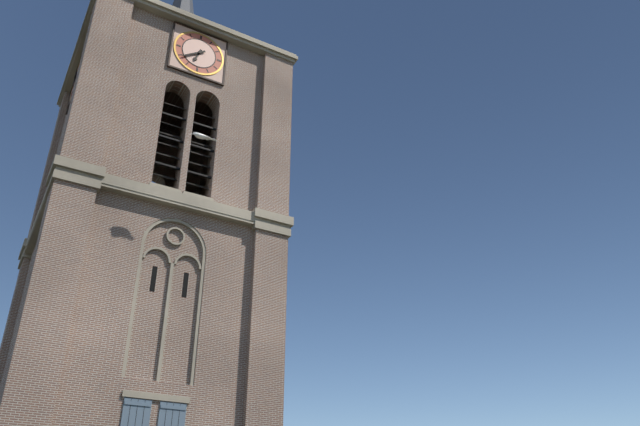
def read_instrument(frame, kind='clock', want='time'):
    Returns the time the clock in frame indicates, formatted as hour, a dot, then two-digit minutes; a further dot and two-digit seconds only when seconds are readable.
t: 6.39
